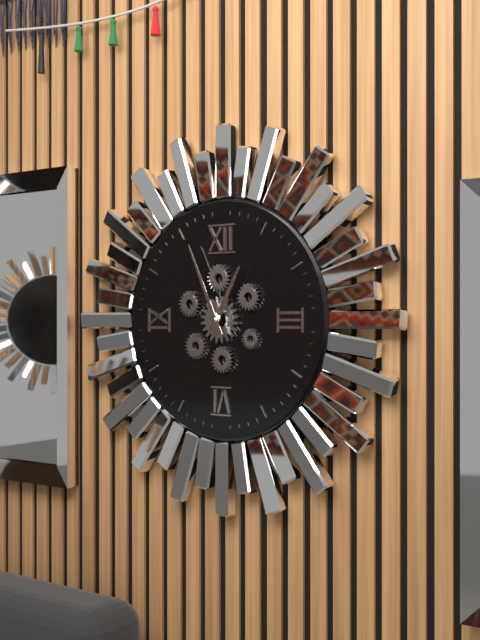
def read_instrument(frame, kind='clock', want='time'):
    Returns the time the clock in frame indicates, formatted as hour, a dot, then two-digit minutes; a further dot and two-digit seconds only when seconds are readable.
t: 12.56
